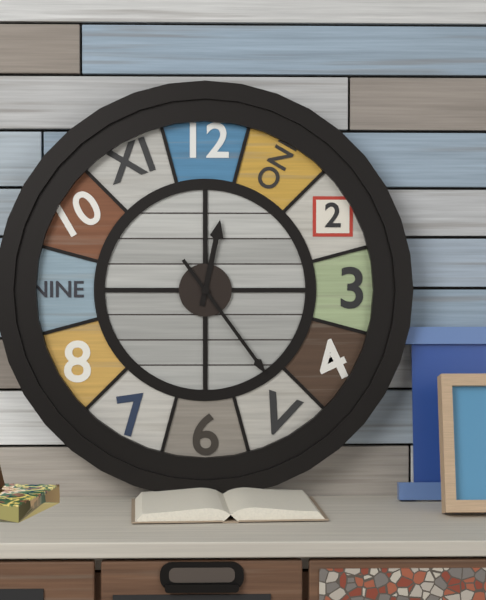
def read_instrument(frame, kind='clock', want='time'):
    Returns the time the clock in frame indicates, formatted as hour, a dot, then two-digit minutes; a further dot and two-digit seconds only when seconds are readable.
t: 12.24
